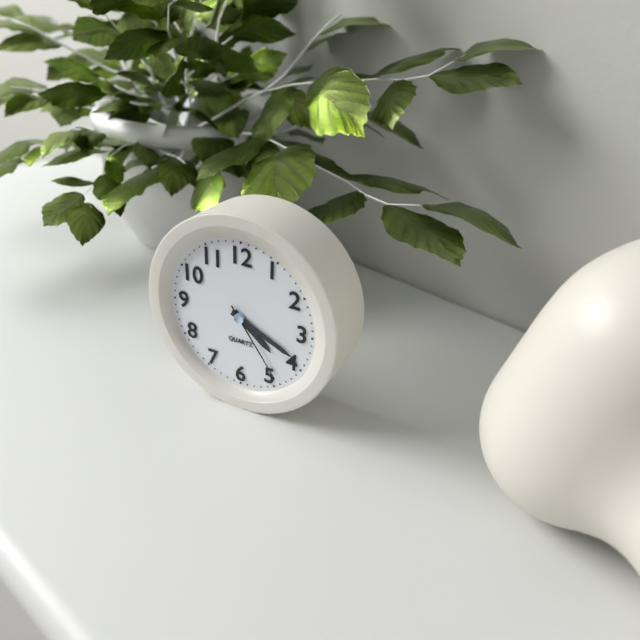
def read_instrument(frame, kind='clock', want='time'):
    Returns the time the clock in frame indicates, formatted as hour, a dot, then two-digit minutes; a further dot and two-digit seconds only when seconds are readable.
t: 4.19.24
